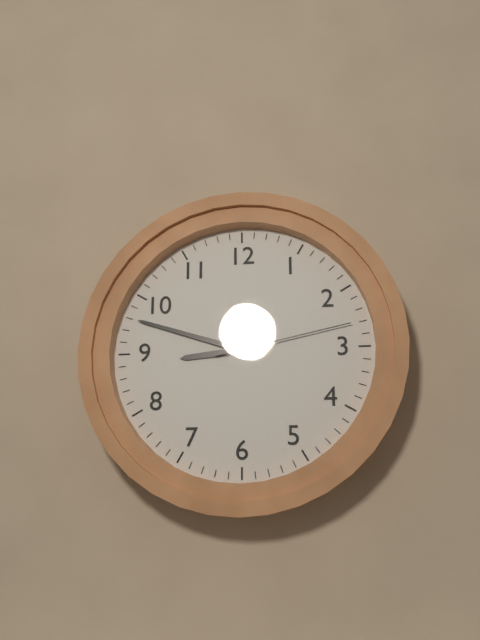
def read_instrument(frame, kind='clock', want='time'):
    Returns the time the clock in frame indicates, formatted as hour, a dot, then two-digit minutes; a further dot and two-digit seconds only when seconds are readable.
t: 8.48.13
